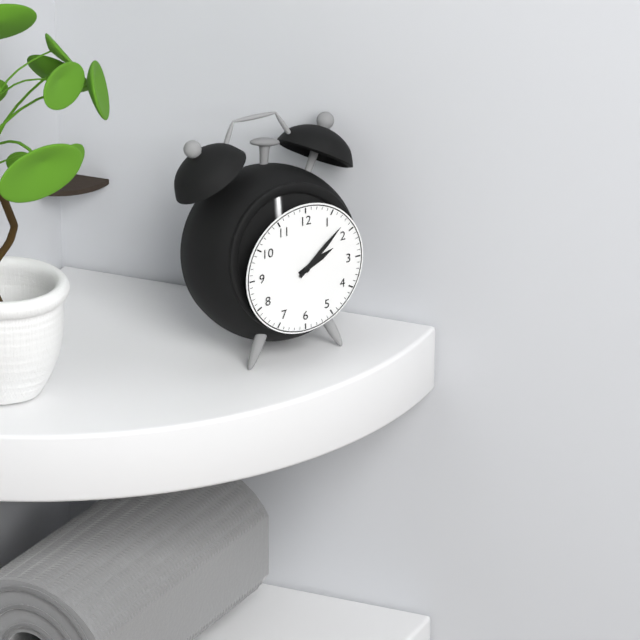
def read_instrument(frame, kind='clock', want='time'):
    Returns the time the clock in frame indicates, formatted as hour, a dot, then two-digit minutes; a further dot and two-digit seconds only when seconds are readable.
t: 2.08
